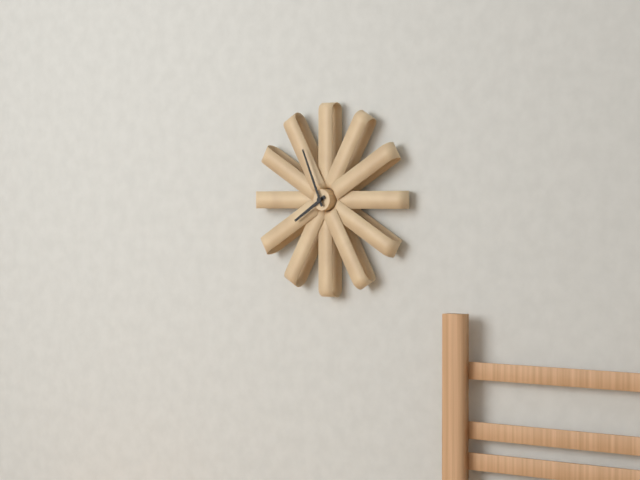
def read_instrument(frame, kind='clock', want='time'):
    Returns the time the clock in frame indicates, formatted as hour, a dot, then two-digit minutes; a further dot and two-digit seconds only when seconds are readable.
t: 7.56
